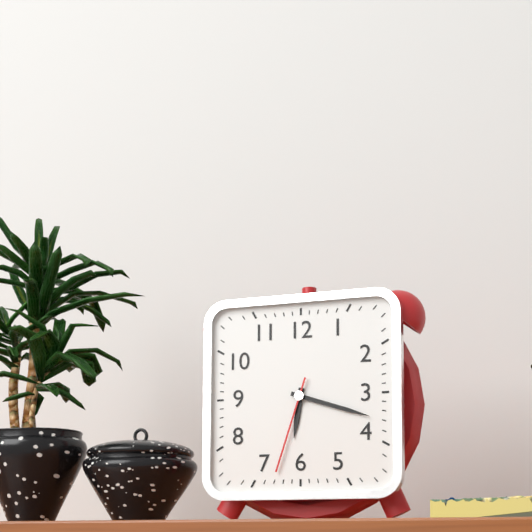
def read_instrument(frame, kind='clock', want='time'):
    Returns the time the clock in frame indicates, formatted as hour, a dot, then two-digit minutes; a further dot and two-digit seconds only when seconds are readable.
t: 6.18.33
